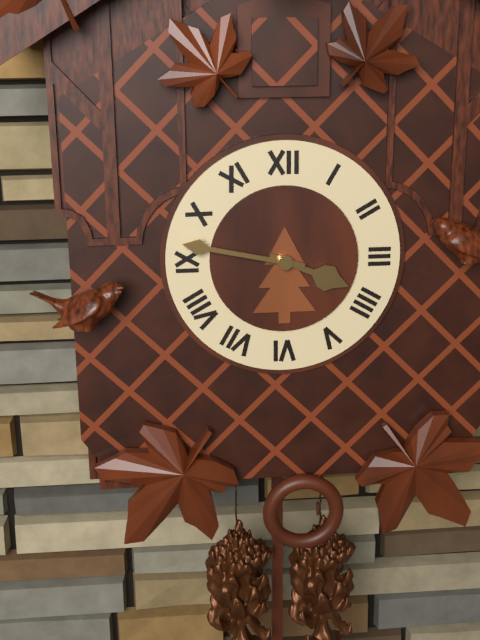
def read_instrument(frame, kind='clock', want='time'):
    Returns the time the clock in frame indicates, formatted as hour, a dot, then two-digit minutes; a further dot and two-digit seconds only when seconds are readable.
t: 3.47
